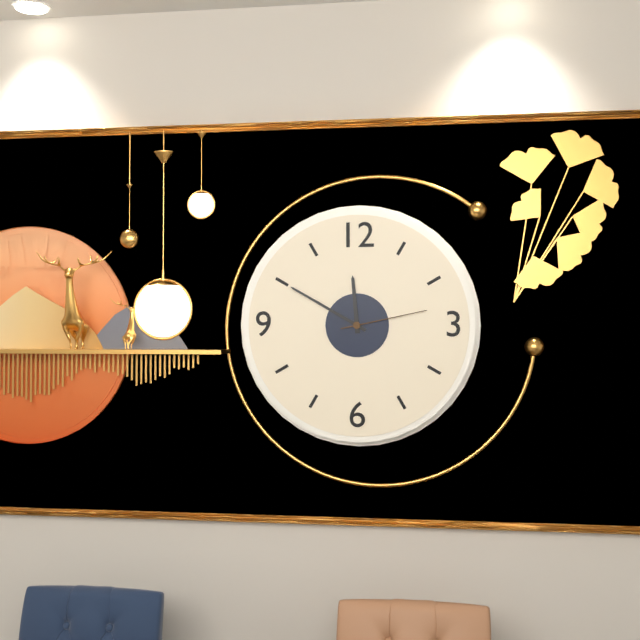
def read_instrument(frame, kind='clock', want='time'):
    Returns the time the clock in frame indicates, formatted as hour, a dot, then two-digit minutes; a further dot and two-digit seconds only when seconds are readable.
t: 11.50.13
